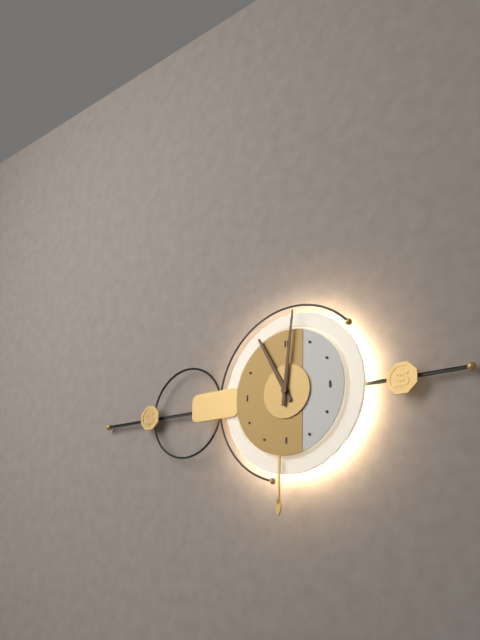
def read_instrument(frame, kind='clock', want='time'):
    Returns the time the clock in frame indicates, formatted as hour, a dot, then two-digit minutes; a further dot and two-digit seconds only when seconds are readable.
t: 11.01
